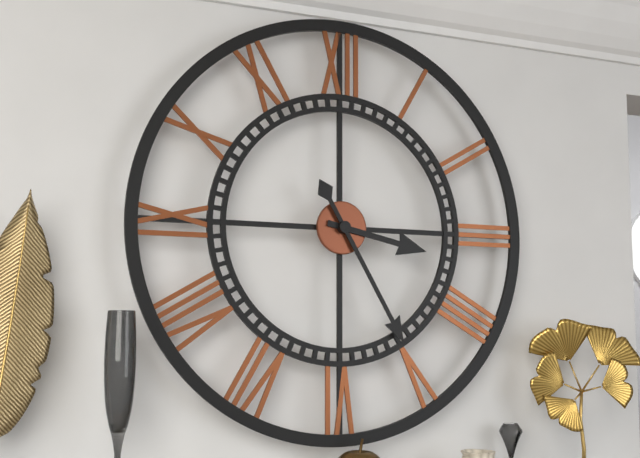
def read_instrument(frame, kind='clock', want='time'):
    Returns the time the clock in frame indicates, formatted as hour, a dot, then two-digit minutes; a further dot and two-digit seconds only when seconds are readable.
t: 3.25
